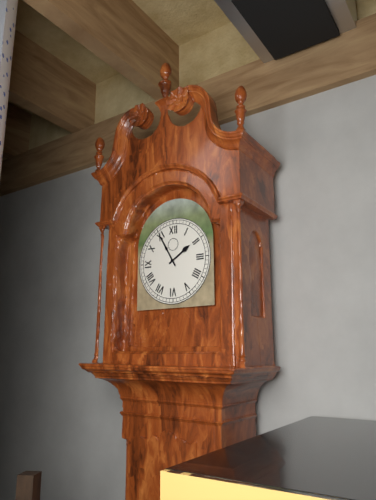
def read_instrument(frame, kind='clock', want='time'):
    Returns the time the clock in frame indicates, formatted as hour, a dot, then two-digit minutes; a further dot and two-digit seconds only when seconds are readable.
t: 1.55
